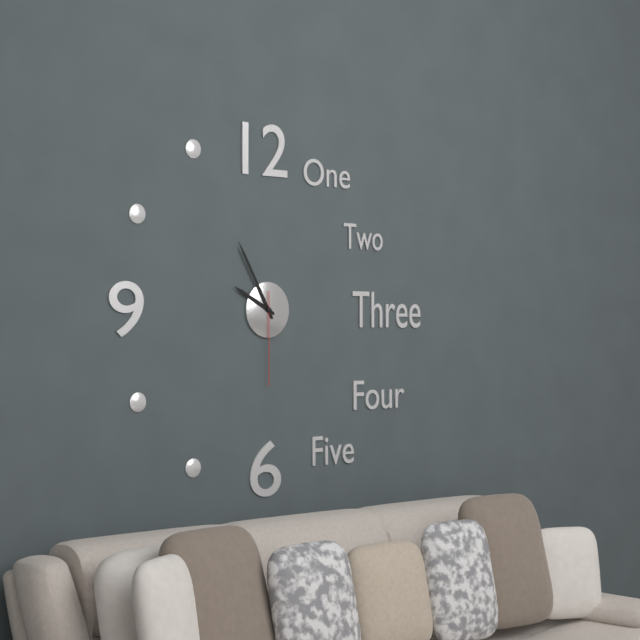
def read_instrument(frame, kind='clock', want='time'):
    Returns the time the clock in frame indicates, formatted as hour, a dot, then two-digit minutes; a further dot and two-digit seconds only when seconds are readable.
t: 9.55.30
